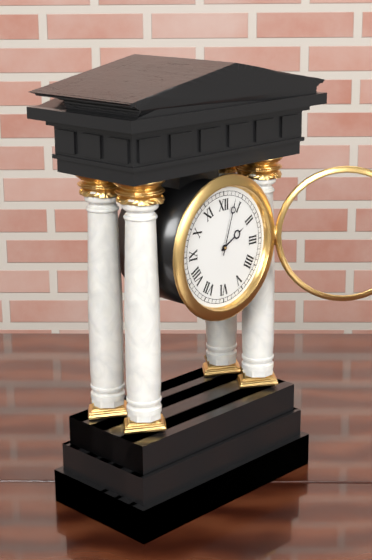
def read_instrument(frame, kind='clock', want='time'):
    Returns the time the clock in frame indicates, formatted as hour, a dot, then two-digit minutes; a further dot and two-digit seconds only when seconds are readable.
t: 2.03
